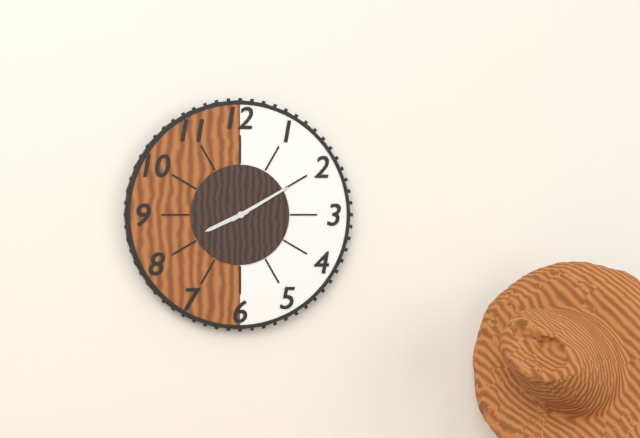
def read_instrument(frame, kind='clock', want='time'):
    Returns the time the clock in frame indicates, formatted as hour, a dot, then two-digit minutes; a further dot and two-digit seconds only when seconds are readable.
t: 8.10
